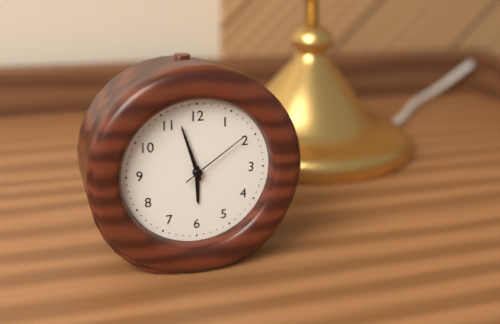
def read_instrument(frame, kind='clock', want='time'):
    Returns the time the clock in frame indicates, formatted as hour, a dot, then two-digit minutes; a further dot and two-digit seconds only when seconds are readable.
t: 5.57.09
